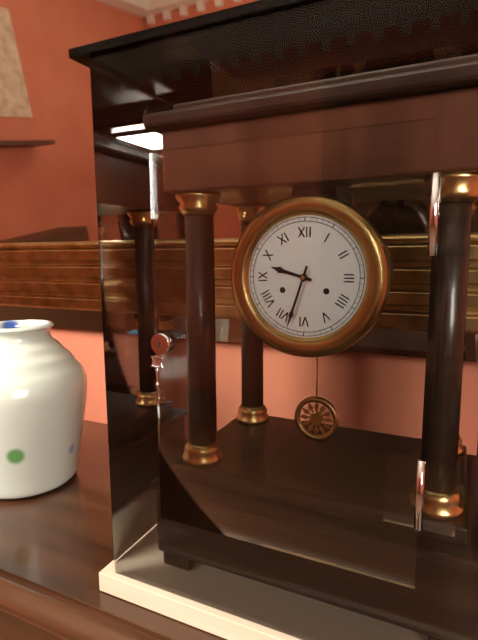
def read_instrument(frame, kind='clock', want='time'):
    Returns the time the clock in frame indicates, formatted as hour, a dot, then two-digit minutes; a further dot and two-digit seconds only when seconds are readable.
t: 9.33
